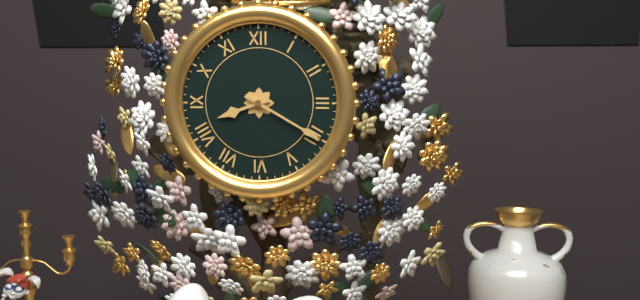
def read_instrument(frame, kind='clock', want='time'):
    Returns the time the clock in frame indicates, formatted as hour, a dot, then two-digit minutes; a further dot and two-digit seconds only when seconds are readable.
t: 8.20
